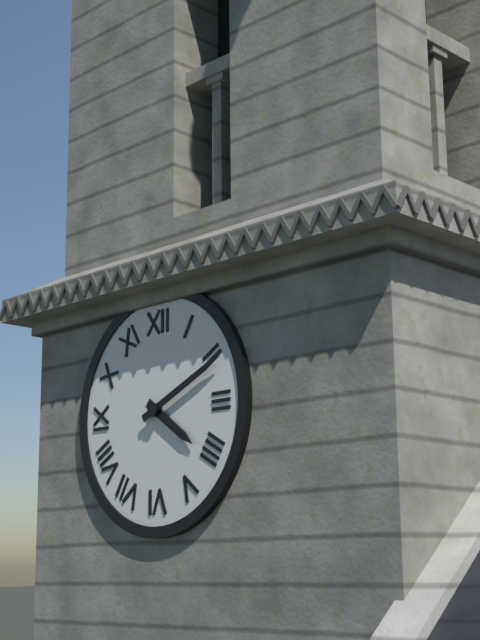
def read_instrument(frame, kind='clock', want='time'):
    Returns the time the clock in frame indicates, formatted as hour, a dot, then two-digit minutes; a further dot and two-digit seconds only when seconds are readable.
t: 4.11
